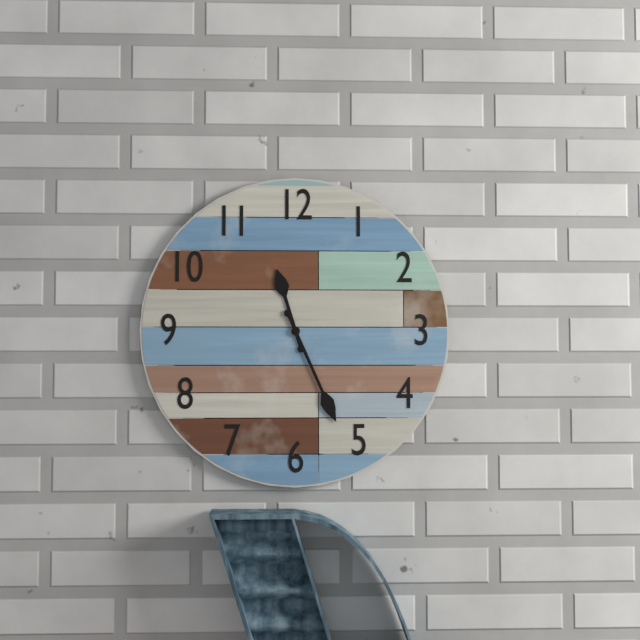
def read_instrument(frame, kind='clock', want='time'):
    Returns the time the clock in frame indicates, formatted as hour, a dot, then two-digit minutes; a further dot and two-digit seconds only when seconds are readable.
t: 11.26
